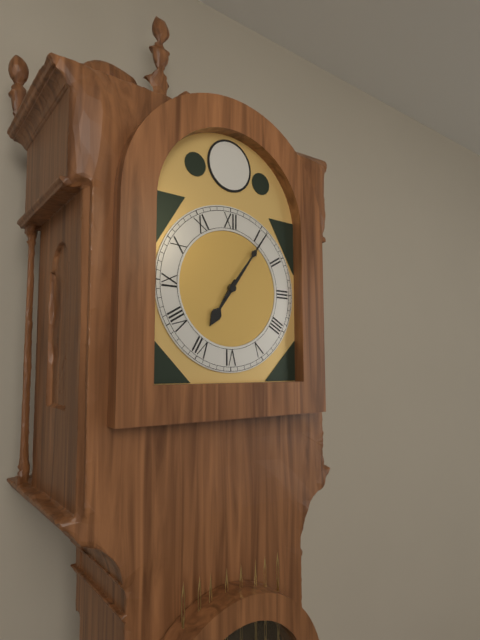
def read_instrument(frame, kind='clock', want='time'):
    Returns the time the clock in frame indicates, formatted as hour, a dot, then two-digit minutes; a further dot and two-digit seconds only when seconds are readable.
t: 7.06
